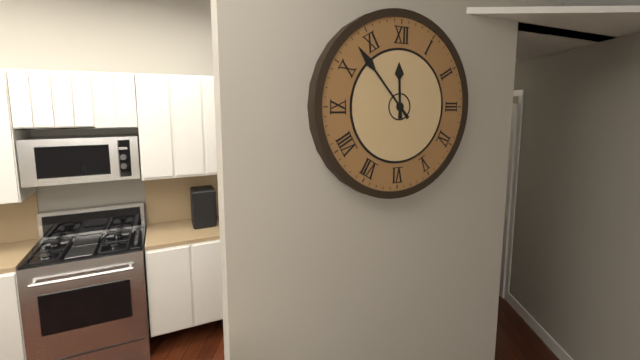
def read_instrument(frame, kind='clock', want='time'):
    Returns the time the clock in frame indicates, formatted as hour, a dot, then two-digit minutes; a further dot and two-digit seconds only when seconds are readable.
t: 11.53
